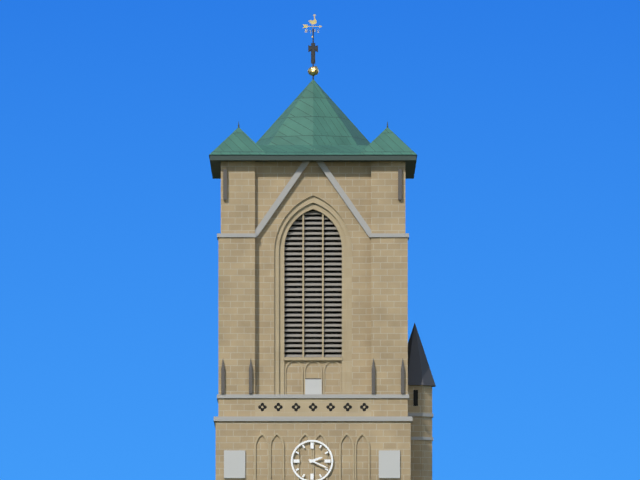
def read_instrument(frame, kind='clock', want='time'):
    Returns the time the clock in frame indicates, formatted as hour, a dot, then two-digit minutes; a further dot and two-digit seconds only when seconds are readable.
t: 2.19
